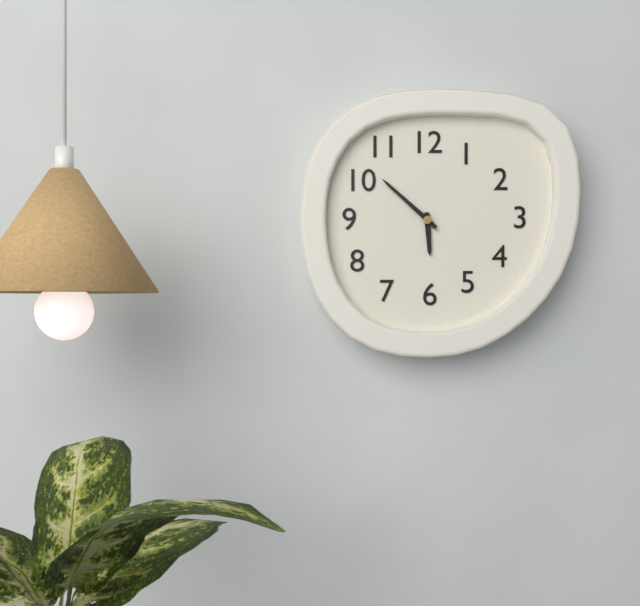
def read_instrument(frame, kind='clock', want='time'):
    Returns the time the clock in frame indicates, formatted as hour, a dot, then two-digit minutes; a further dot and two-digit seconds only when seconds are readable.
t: 5.52
